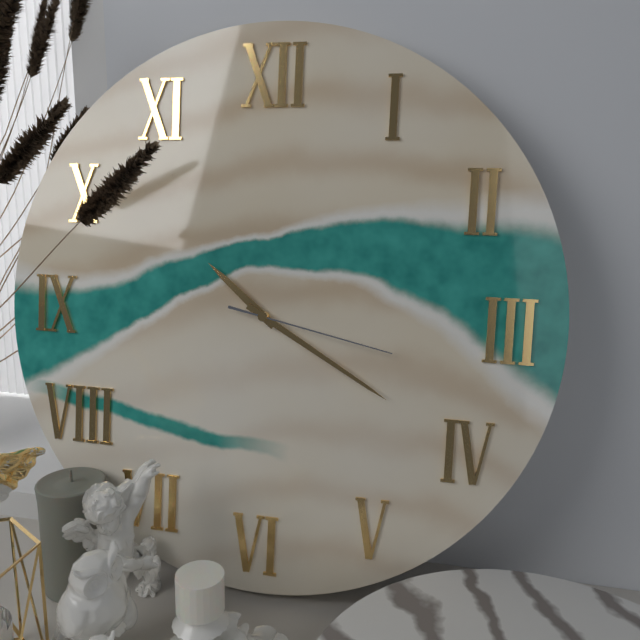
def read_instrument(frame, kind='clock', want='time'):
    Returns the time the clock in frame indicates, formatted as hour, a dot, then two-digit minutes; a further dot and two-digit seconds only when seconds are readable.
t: 10.20.17
